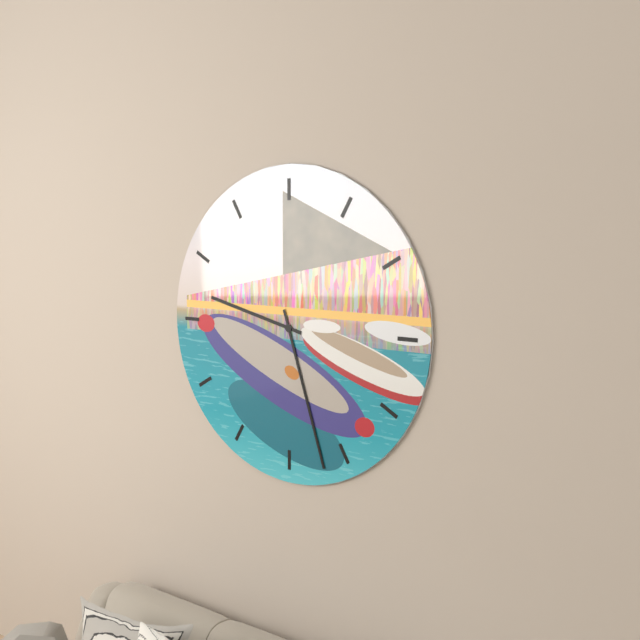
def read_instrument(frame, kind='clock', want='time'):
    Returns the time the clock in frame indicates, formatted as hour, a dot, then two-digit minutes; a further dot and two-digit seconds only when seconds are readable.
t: 9.27
